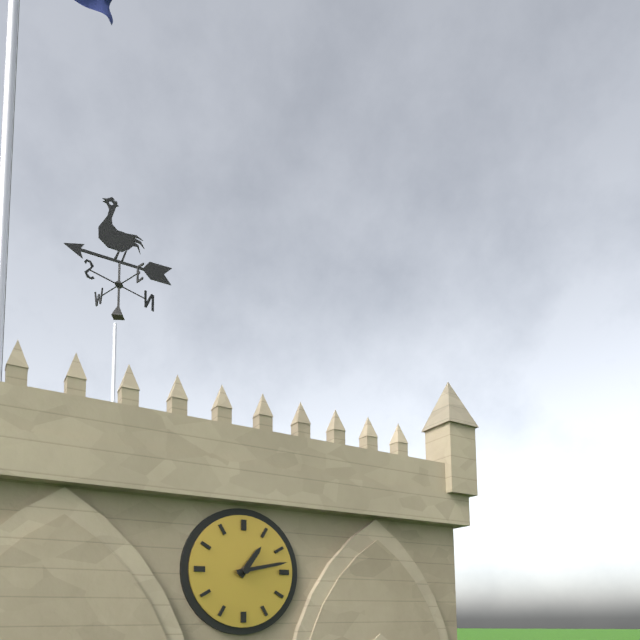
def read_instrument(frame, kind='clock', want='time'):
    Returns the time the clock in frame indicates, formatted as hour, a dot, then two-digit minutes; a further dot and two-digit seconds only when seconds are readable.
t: 1.13
